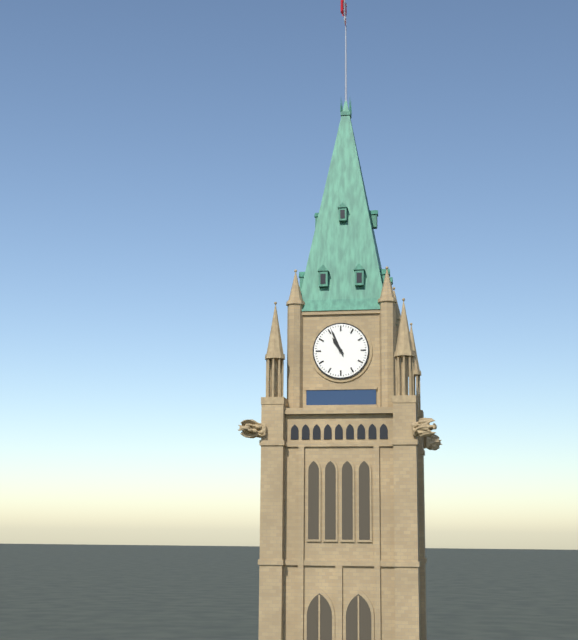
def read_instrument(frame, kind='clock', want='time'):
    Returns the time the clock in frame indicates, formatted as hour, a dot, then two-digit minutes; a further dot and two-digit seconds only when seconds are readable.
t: 10.56
